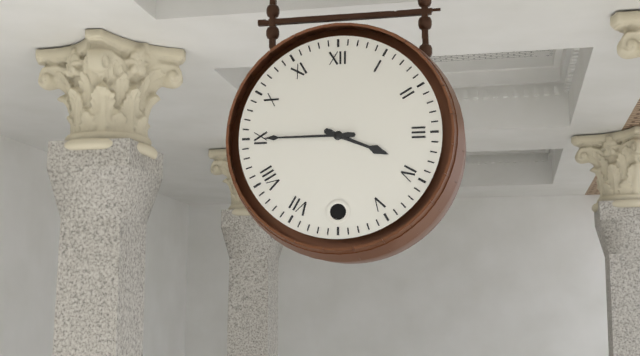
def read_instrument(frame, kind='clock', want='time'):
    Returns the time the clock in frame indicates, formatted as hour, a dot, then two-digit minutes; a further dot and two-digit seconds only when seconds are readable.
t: 3.45
